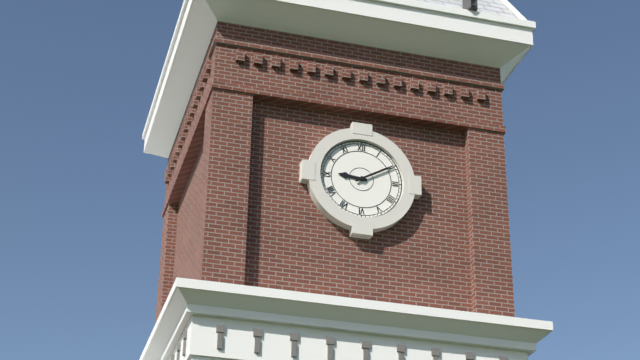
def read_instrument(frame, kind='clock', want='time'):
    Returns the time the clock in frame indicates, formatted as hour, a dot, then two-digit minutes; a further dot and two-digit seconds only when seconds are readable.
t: 9.10
